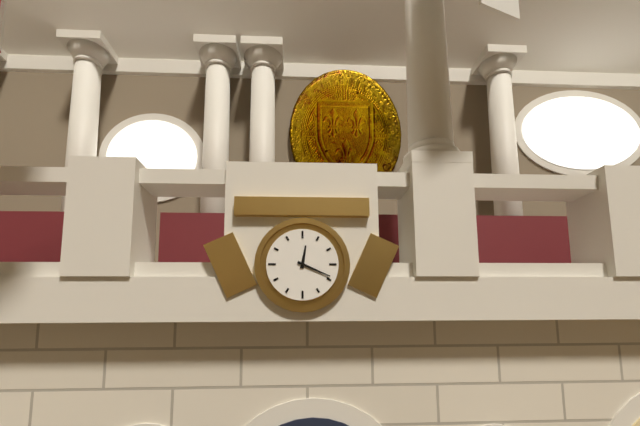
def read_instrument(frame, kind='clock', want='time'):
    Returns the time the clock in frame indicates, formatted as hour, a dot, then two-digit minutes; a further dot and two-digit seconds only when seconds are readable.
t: 12.19
